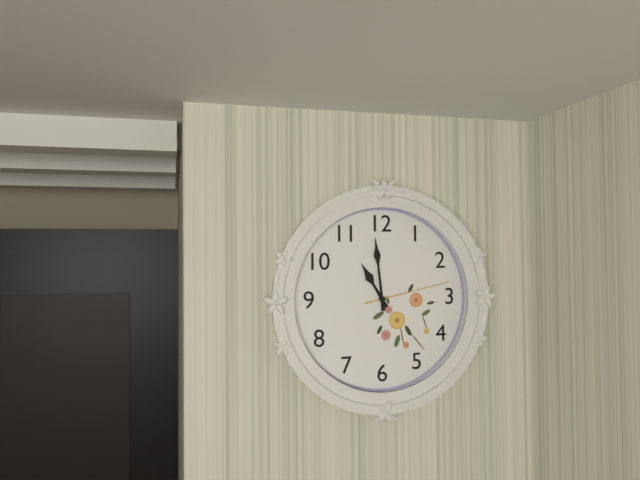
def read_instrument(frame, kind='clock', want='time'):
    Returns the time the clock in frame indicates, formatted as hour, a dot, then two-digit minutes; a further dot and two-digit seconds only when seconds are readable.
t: 10.59.13
